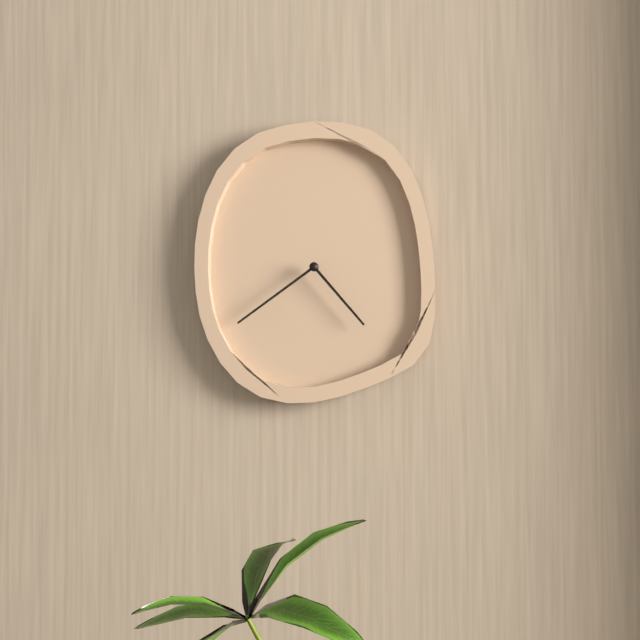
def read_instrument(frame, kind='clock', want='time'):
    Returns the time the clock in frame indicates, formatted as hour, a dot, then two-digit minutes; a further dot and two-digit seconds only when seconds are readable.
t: 4.39
